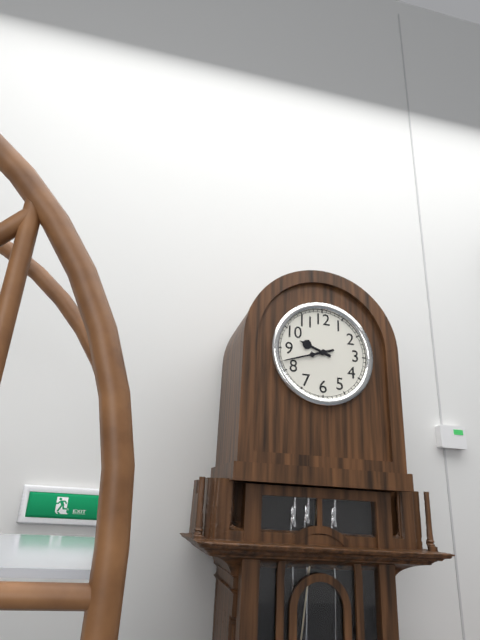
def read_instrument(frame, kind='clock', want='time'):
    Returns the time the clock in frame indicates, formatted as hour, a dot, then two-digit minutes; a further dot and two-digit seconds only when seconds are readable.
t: 9.42
